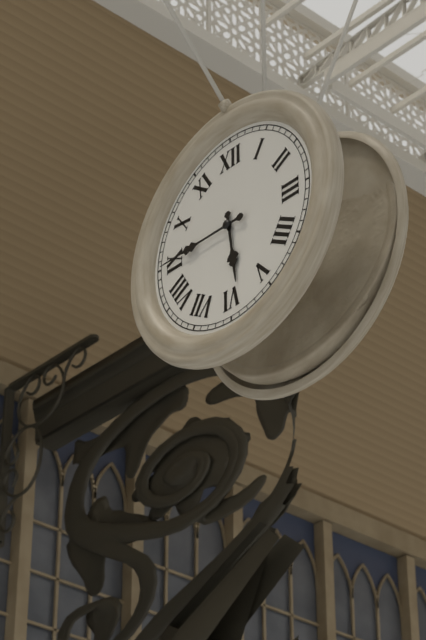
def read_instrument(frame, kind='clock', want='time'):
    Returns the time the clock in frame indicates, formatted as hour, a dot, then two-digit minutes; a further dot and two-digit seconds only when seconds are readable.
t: 5.45
